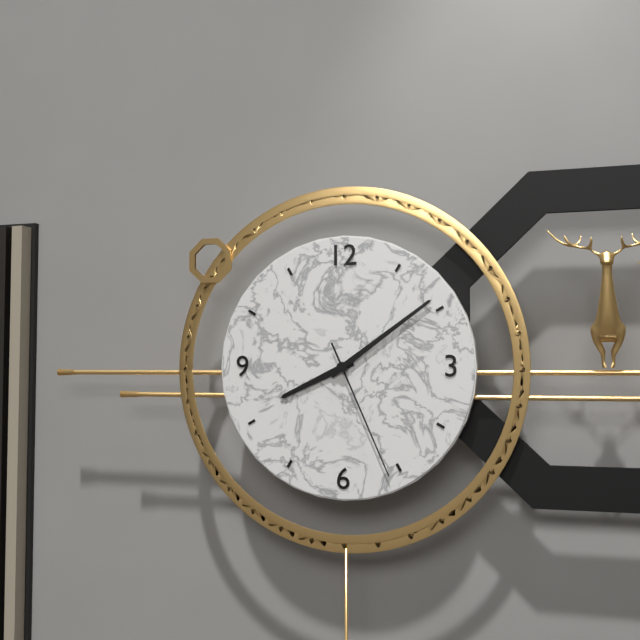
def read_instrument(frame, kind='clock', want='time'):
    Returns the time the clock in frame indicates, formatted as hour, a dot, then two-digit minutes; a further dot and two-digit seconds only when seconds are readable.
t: 8.09.26
